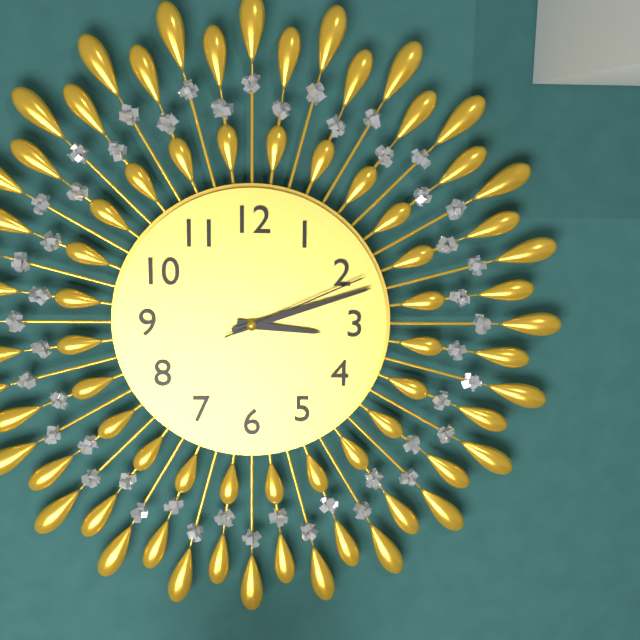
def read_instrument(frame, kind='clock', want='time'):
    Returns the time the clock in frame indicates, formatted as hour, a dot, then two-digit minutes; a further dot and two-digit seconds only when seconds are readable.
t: 3.12.11
